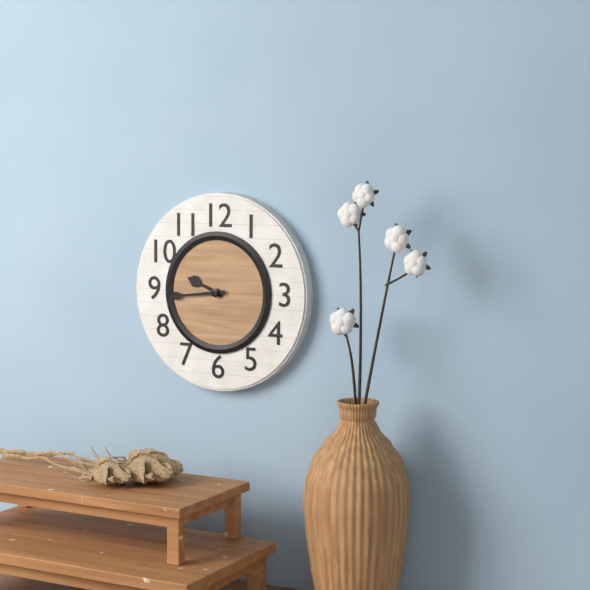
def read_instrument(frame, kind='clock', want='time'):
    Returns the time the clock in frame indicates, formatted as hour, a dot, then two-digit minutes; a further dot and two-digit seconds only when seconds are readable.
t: 9.44
